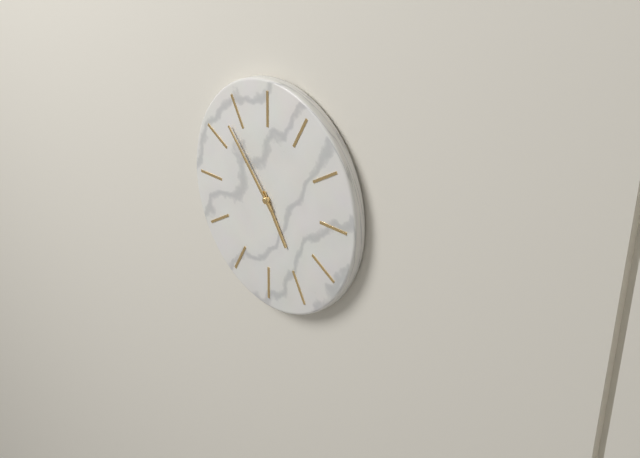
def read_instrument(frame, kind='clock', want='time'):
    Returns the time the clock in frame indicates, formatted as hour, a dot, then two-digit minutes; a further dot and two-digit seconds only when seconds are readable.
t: 4.53
